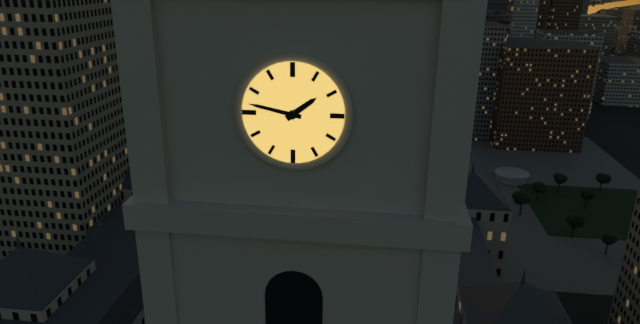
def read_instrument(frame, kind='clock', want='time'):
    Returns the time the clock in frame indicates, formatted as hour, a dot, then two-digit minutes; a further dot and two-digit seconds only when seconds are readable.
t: 1.47
